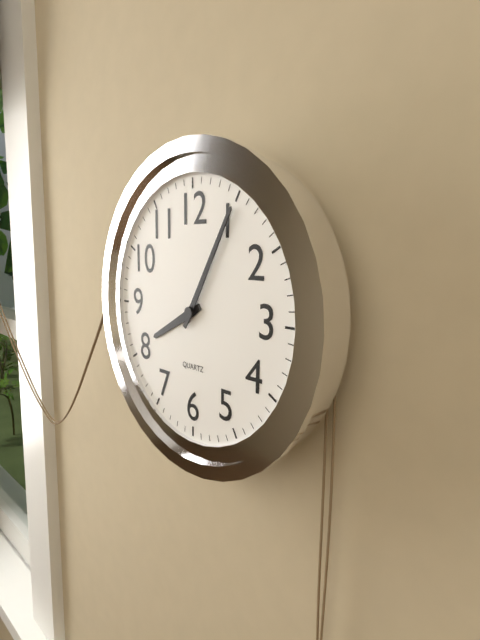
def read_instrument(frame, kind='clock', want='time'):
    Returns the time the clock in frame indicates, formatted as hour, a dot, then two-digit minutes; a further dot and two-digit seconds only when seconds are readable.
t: 8.05
